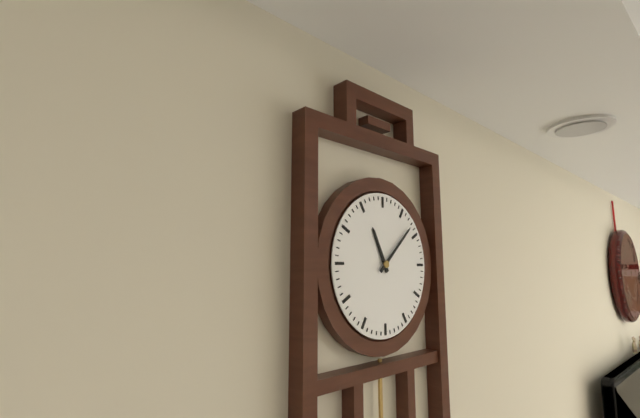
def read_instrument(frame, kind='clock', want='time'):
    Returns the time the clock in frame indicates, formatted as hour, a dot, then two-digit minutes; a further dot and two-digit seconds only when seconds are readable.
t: 11.08
